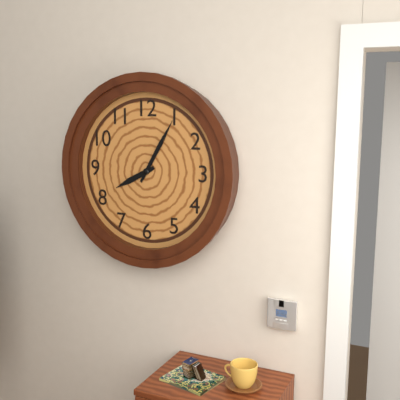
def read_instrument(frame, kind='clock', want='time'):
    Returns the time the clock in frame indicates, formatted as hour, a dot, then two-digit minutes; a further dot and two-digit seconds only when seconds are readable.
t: 8.05
